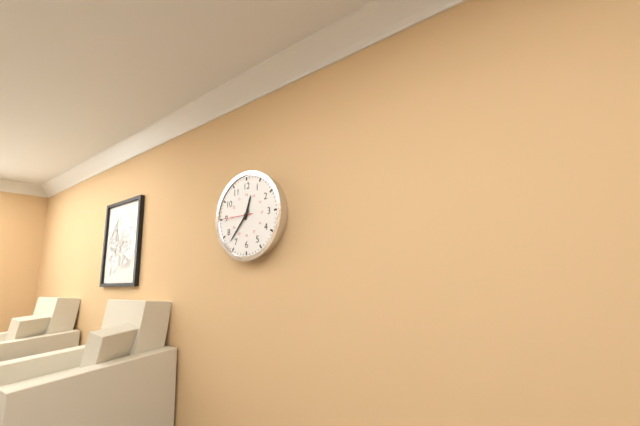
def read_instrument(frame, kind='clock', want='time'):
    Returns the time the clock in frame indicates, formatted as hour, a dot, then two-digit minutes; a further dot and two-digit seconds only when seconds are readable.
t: 12.37
